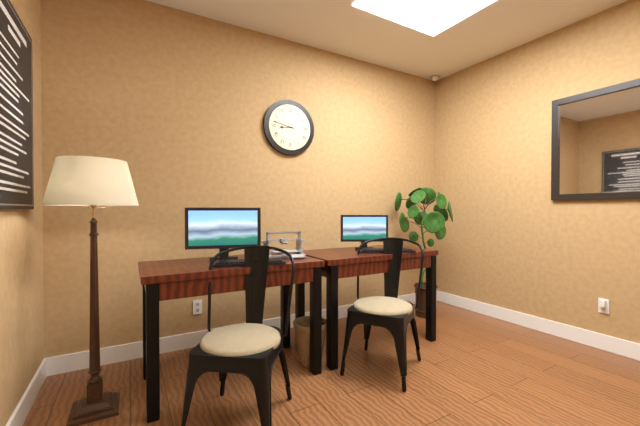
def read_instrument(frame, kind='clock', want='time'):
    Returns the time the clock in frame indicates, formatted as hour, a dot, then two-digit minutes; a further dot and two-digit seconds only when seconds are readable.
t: 8.47
